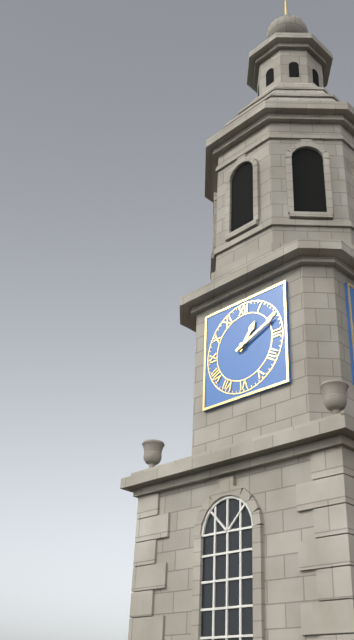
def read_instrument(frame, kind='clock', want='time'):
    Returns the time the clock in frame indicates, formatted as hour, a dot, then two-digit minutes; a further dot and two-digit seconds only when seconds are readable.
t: 1.11
